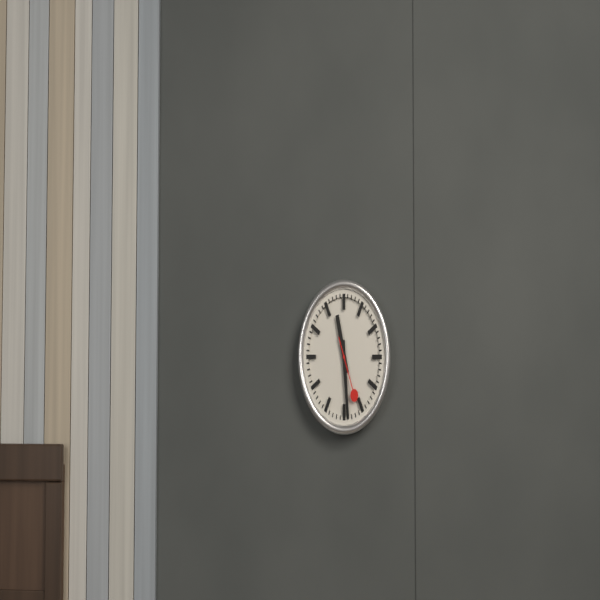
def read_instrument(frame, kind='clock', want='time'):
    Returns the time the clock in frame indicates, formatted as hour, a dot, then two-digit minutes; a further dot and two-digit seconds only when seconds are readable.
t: 11.29.26
